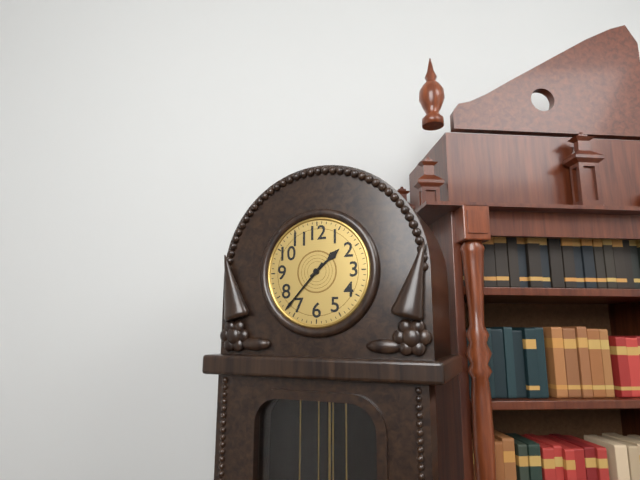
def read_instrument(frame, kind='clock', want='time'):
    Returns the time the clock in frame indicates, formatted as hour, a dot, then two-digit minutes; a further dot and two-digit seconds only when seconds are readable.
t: 1.37
